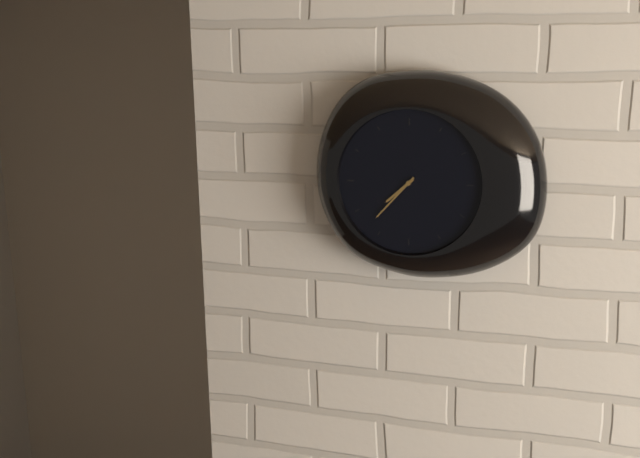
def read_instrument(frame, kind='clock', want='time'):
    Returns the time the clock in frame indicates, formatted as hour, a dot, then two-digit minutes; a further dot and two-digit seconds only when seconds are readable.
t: 7.37
